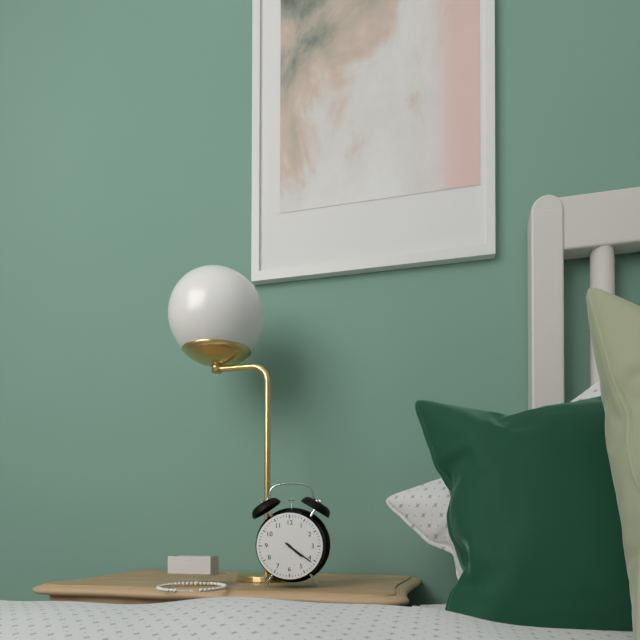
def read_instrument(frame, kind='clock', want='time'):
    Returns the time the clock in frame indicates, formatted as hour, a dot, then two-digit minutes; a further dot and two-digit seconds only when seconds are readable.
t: 4.21
